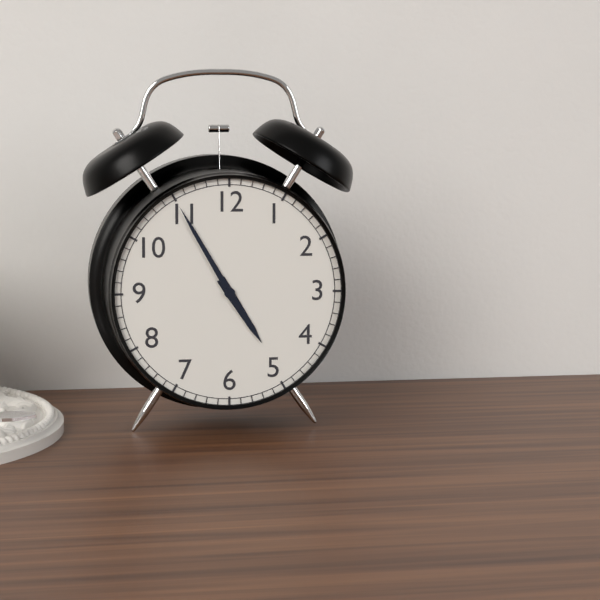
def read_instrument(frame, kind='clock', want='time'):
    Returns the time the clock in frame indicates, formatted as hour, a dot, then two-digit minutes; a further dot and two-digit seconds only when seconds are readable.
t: 4.55
